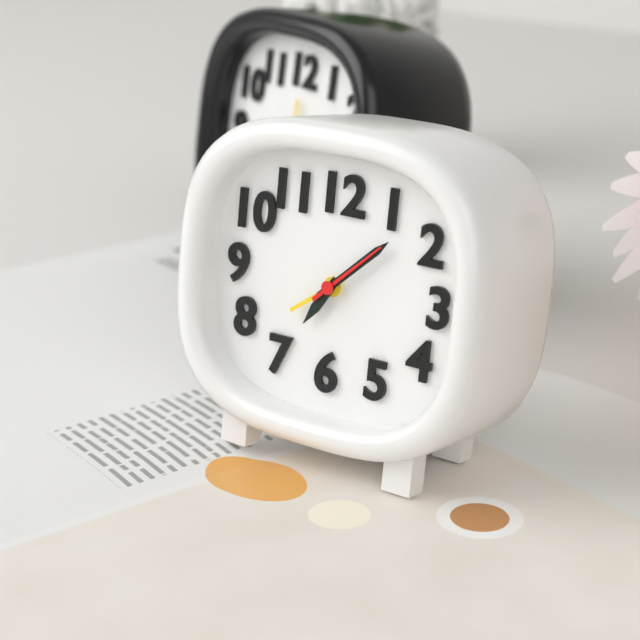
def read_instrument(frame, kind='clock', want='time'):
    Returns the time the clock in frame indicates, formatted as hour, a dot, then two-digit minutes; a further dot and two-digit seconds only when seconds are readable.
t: 7.08.08
